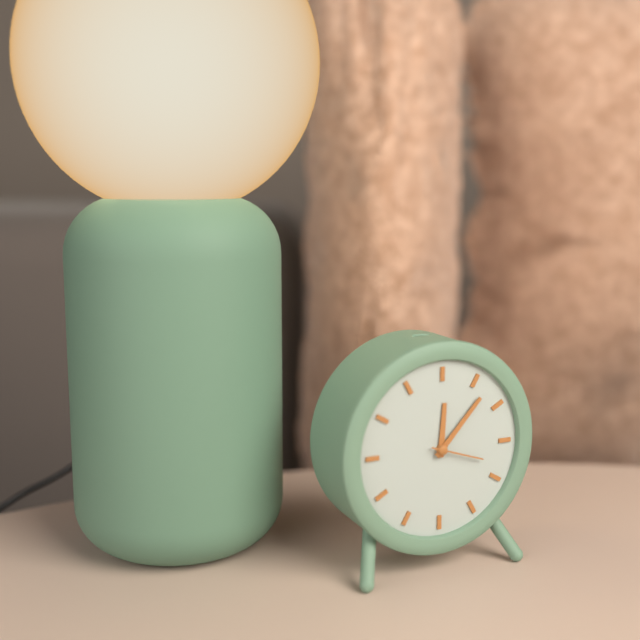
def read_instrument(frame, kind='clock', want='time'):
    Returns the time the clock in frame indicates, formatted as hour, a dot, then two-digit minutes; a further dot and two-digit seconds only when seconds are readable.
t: 12.07.18
